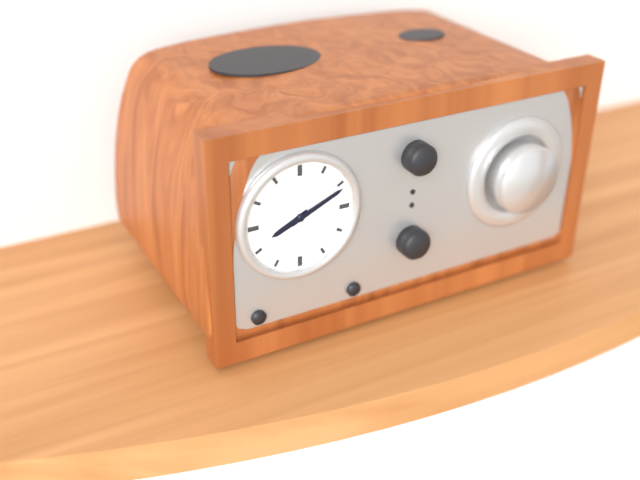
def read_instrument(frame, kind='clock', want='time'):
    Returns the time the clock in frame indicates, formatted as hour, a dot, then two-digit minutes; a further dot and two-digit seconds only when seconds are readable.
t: 8.11
